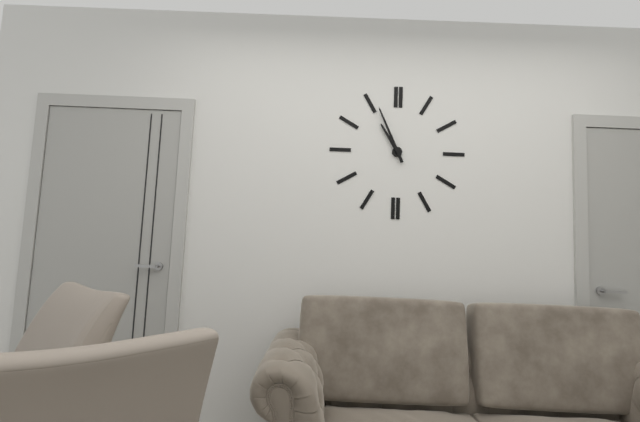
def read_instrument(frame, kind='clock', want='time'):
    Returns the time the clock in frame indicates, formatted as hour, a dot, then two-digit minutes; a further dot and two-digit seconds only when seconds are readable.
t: 10.56
